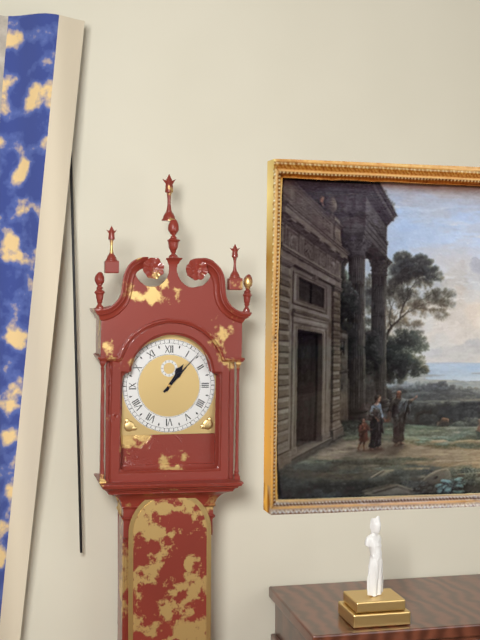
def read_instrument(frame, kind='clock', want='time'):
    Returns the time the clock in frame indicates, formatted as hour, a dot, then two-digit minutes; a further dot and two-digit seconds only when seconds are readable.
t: 1.07
